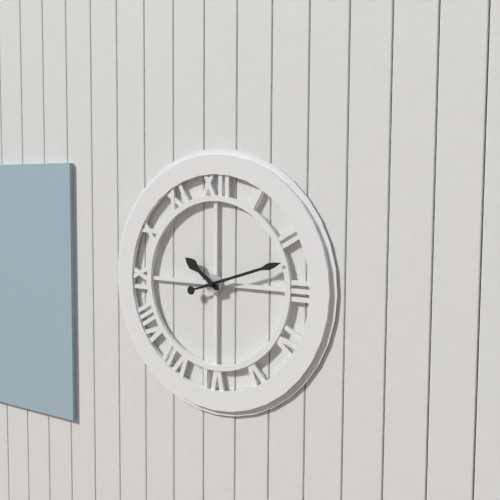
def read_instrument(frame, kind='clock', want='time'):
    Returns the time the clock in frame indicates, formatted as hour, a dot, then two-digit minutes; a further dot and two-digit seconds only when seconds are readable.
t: 10.12
